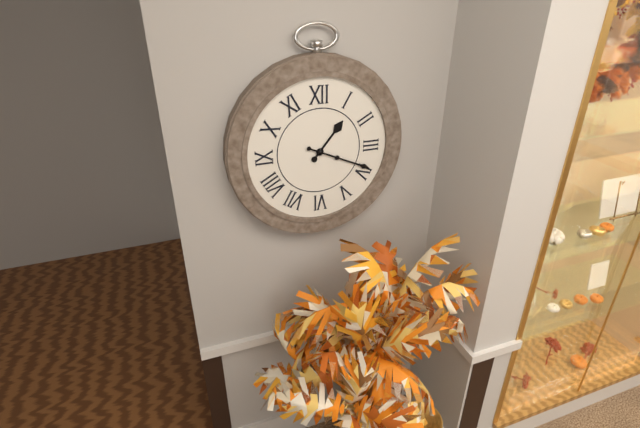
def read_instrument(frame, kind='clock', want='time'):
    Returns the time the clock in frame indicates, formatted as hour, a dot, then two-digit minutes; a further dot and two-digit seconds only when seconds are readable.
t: 1.19
